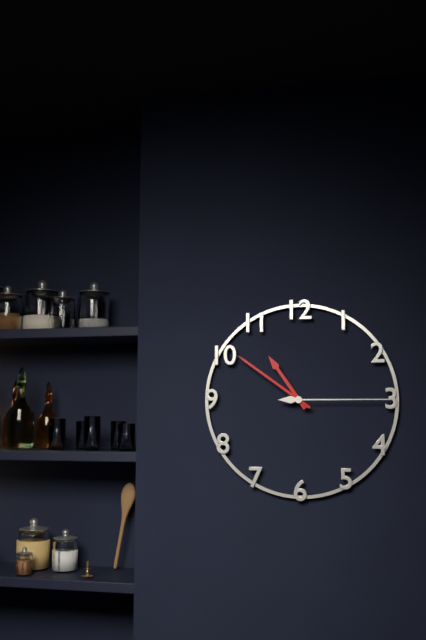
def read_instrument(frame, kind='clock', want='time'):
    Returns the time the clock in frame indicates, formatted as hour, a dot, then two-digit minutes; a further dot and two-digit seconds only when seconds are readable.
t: 10.51.15
